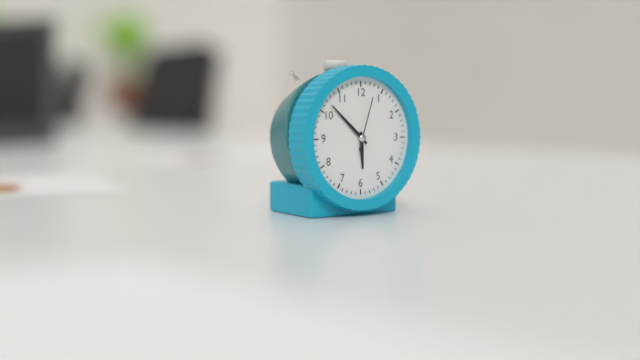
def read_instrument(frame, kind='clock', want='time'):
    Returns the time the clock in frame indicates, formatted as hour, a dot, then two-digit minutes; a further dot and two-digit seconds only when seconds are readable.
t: 5.52.03
